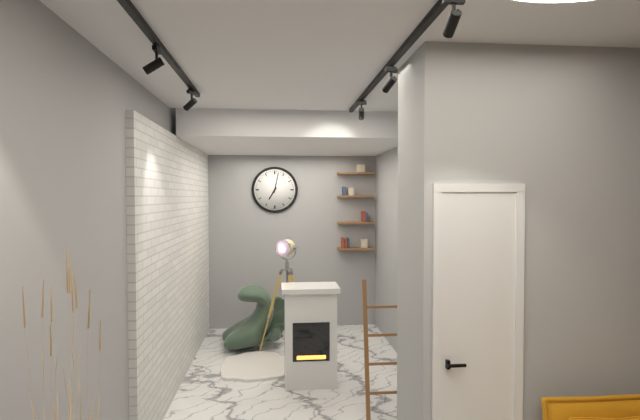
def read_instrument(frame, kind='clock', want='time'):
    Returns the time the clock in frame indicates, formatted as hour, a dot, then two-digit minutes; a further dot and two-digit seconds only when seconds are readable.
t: 7.02
